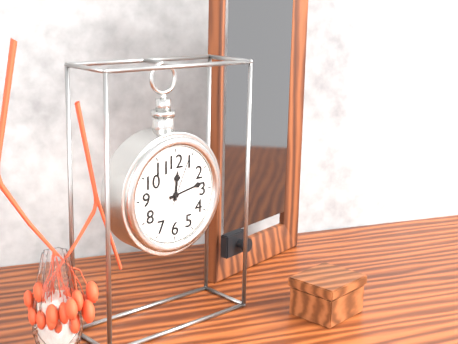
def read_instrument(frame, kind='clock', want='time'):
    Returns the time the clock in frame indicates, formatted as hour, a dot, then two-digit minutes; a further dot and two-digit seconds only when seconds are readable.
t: 12.13.04
